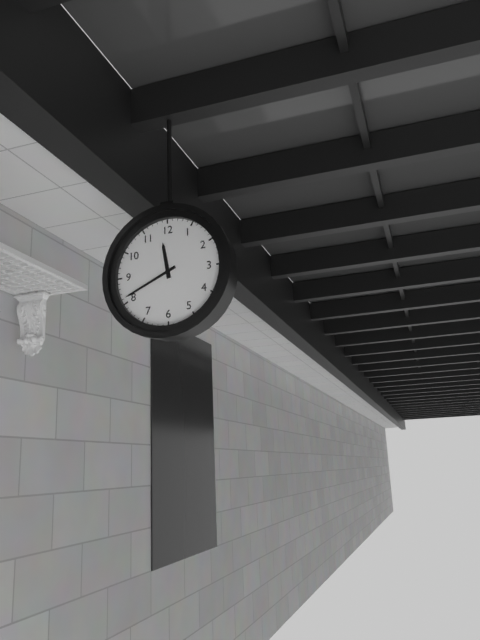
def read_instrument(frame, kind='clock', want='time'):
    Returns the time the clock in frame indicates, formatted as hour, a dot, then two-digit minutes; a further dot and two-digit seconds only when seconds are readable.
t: 11.41
